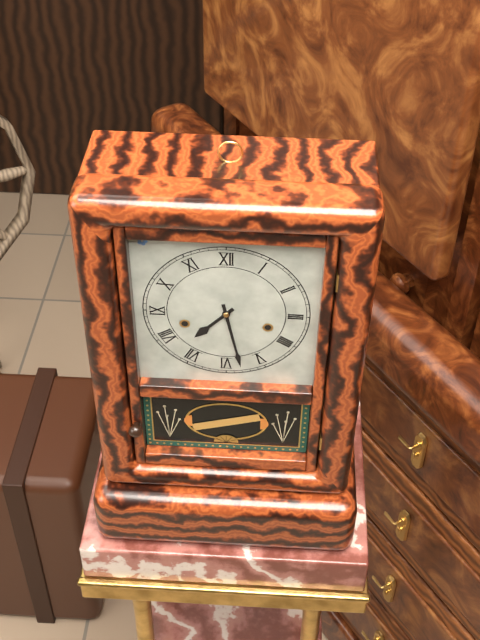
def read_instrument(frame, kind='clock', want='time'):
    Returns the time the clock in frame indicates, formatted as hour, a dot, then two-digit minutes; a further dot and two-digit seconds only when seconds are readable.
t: 7.28
